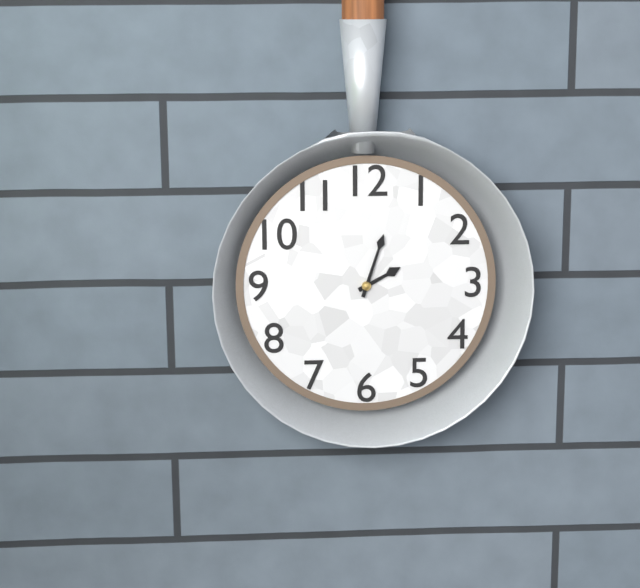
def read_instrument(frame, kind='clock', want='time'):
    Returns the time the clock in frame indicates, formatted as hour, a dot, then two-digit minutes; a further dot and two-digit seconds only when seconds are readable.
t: 2.03
